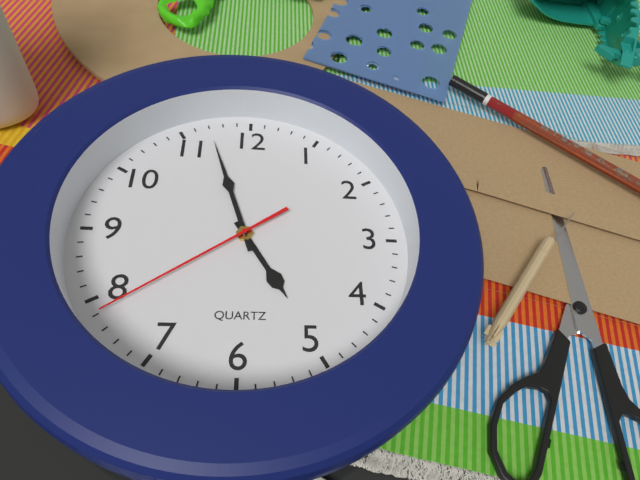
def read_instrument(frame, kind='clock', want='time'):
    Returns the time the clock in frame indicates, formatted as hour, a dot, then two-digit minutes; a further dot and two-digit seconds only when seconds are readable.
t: 4.57.39
